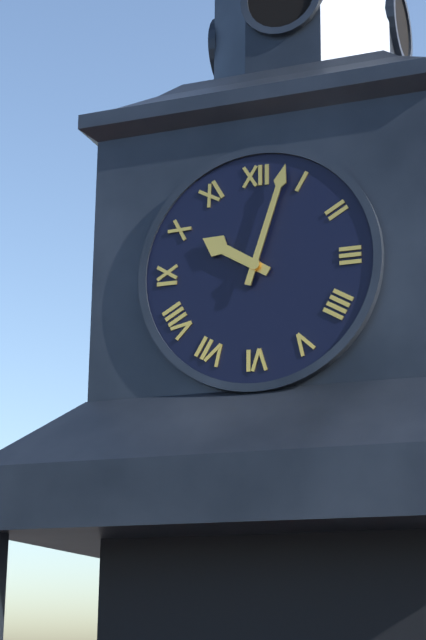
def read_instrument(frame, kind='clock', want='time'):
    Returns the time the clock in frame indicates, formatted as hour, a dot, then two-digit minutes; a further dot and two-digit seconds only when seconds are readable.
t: 10.03
